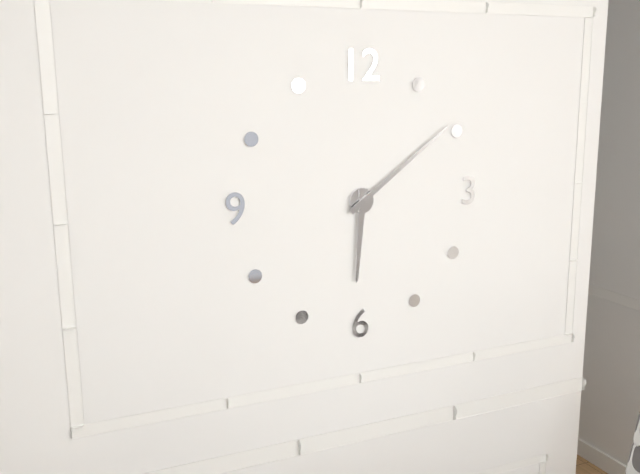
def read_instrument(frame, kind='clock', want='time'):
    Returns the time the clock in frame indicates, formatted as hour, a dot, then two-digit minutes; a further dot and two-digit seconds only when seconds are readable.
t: 6.09
